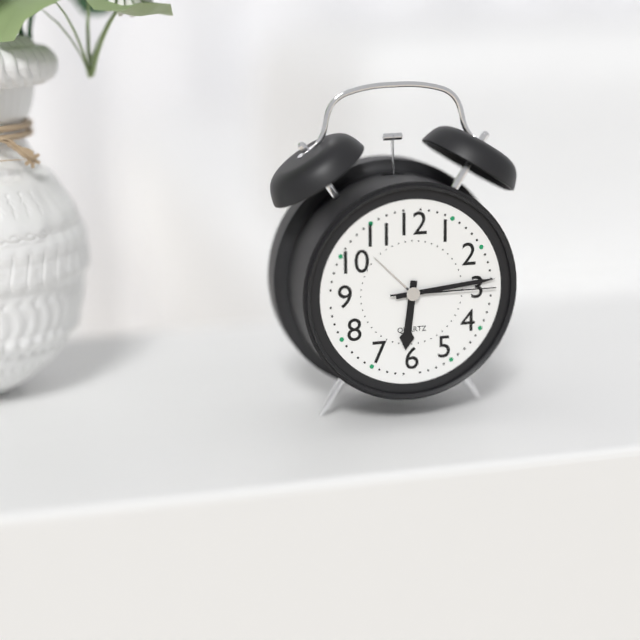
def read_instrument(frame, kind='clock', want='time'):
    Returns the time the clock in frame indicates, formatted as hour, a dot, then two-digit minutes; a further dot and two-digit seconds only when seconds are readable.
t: 6.14.15
